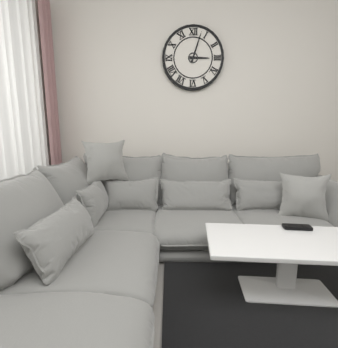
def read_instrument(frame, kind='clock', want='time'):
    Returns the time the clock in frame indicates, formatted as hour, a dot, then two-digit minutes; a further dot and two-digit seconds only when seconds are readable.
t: 3.03
